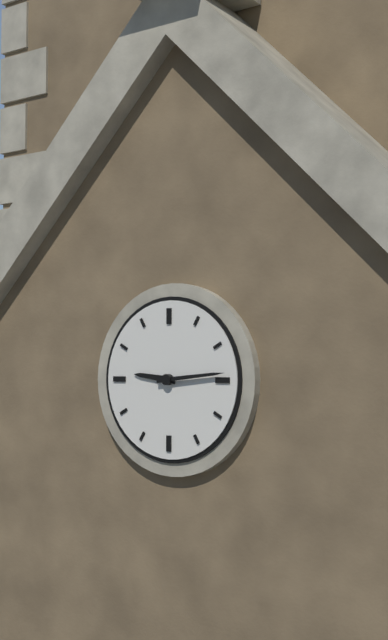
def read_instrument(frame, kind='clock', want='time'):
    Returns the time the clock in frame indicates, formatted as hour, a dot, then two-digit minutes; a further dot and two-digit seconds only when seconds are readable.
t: 9.14
